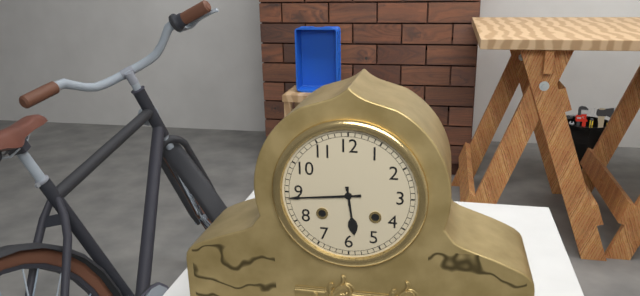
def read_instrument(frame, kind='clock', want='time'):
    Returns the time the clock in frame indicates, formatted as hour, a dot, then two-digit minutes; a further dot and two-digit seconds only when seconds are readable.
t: 5.44
